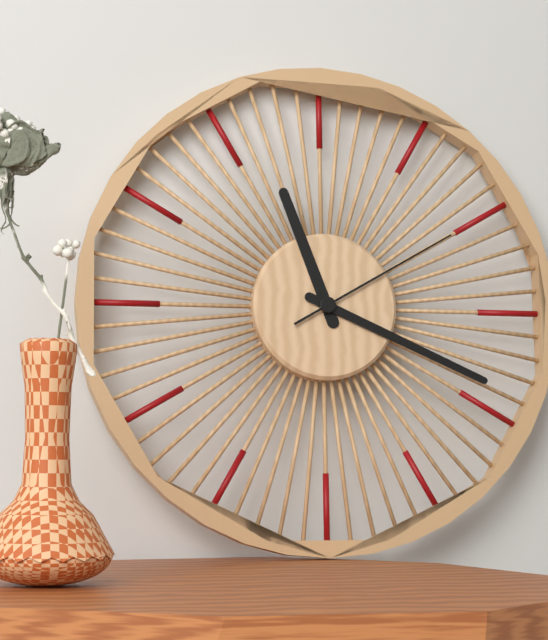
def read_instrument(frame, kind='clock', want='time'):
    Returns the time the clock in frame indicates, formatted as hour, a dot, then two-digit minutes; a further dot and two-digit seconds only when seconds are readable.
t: 11.19.10
